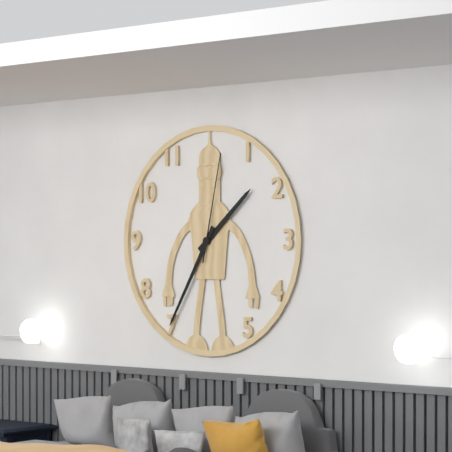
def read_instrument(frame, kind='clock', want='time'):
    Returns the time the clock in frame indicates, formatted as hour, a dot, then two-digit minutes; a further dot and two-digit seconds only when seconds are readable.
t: 1.35.02
